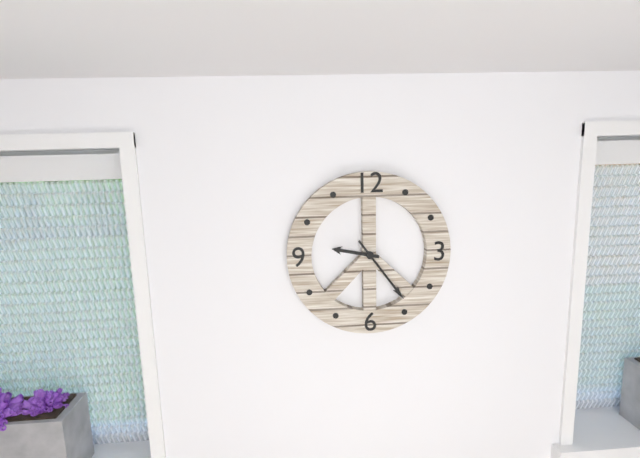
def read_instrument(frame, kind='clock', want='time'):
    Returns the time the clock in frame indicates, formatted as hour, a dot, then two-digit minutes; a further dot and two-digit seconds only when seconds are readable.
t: 9.24
